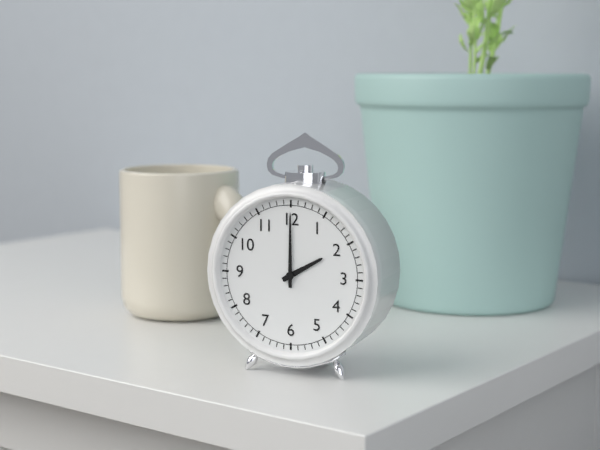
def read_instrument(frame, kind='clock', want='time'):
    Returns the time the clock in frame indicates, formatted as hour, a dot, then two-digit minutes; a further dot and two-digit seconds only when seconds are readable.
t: 2.00
